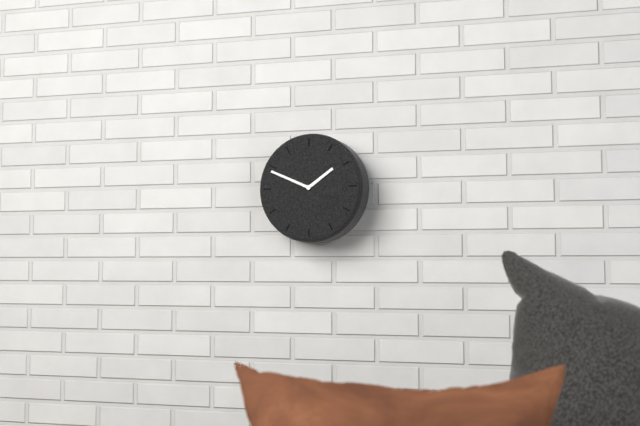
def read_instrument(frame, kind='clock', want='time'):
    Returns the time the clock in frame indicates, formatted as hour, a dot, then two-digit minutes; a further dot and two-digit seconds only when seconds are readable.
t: 1.49
